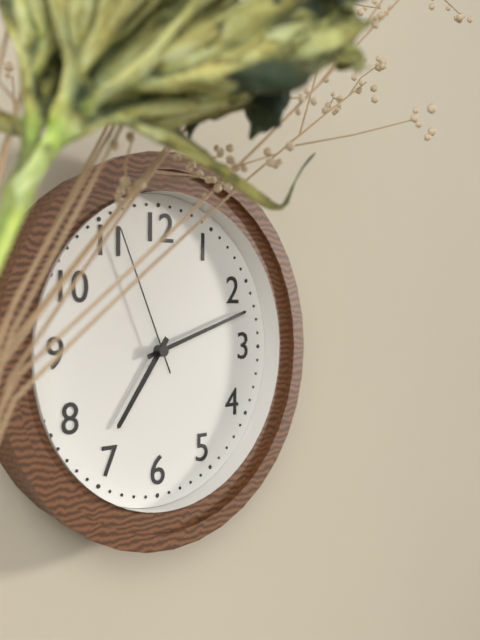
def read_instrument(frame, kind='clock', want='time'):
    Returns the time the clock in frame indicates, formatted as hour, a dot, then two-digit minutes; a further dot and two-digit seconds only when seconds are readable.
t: 7.12.56
